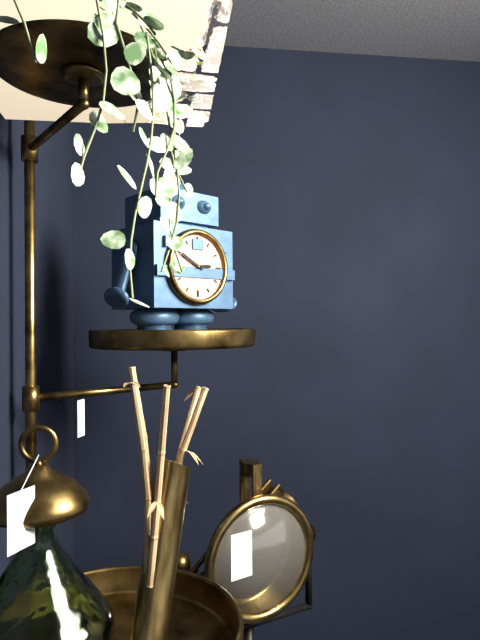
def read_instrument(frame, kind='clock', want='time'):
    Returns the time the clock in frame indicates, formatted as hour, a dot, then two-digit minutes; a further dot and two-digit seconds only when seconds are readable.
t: 2.50
